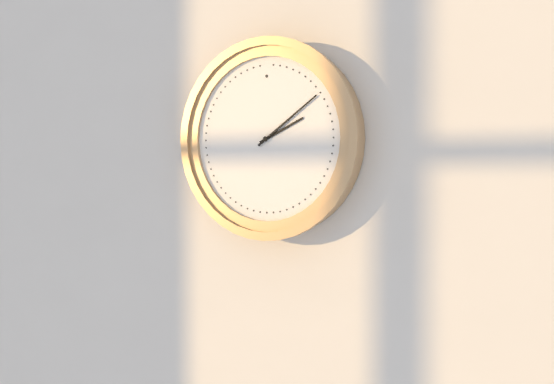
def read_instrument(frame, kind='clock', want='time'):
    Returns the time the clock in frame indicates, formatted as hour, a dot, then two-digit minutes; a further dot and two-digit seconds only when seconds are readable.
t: 2.09
